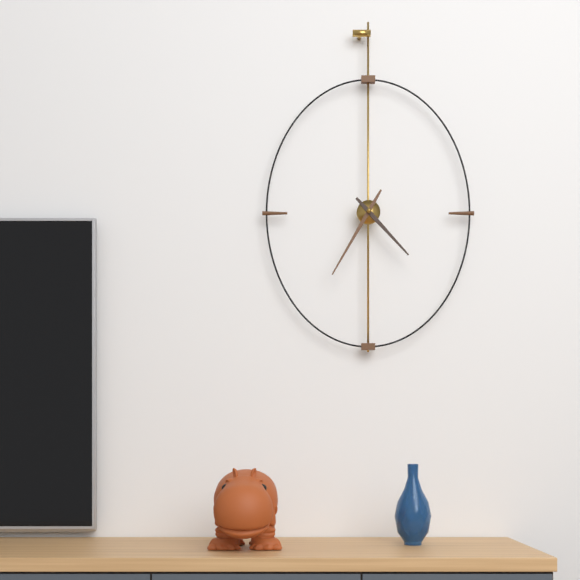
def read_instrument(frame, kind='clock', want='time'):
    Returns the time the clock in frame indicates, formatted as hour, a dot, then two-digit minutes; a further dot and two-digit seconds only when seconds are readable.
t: 4.35
